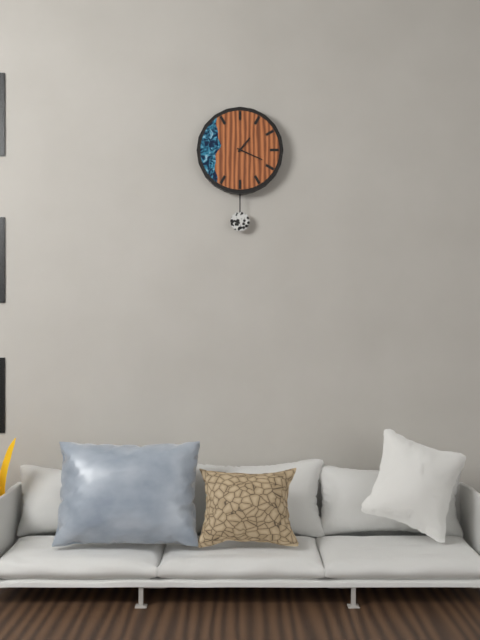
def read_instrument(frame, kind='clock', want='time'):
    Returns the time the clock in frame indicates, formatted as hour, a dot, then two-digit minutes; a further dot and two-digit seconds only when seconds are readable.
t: 1.19
